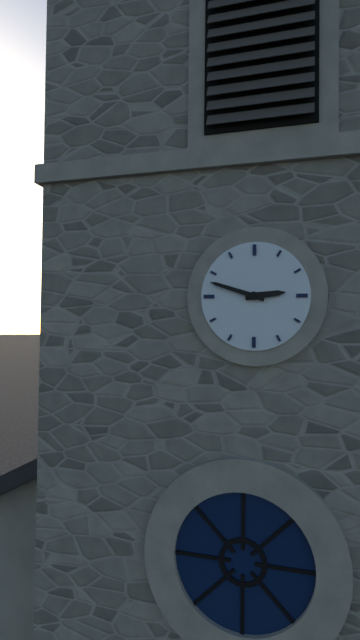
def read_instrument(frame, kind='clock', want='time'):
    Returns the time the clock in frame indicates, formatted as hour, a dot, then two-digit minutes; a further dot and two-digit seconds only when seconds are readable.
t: 2.48
